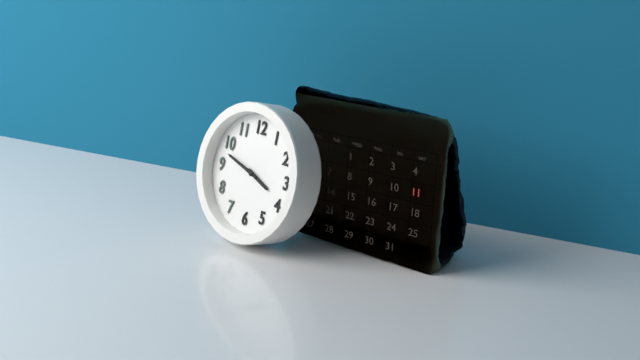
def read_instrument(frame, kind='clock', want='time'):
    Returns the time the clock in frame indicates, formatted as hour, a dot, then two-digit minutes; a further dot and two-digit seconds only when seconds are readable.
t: 3.48
